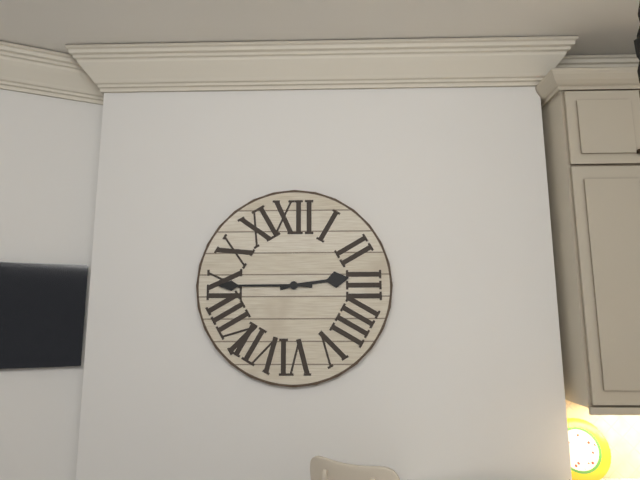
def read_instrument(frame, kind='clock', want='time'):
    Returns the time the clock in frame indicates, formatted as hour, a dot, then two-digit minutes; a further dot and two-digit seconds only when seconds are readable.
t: 2.45
